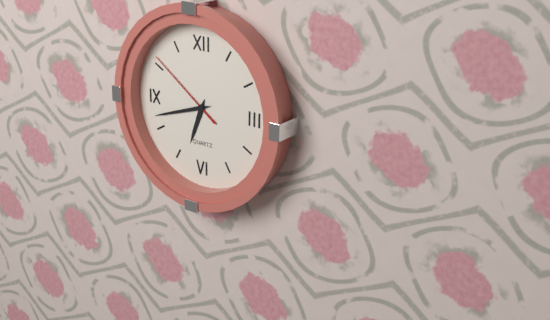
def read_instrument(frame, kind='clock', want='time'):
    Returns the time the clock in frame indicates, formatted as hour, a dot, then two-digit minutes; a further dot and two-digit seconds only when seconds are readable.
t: 6.42.51
